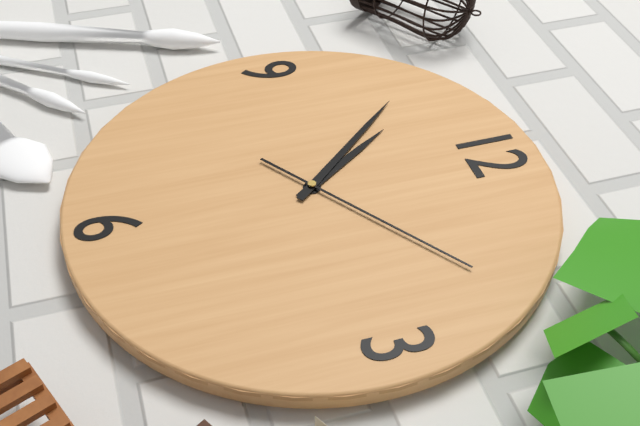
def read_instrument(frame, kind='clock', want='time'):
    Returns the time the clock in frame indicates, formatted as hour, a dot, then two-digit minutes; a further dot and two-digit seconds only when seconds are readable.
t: 10.53.09
